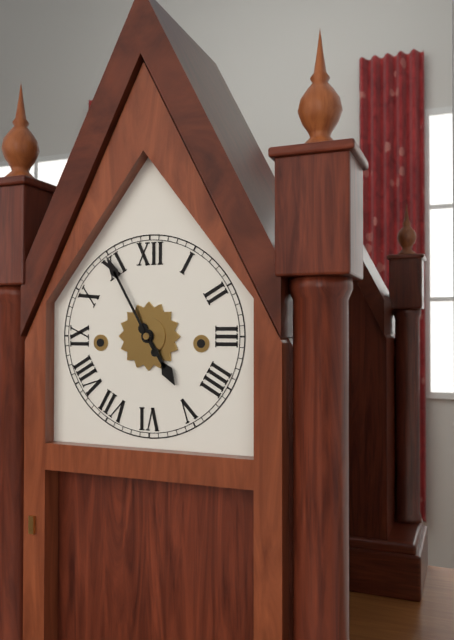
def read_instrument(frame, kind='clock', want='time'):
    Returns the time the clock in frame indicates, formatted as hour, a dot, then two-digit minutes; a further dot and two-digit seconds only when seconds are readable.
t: 4.55
